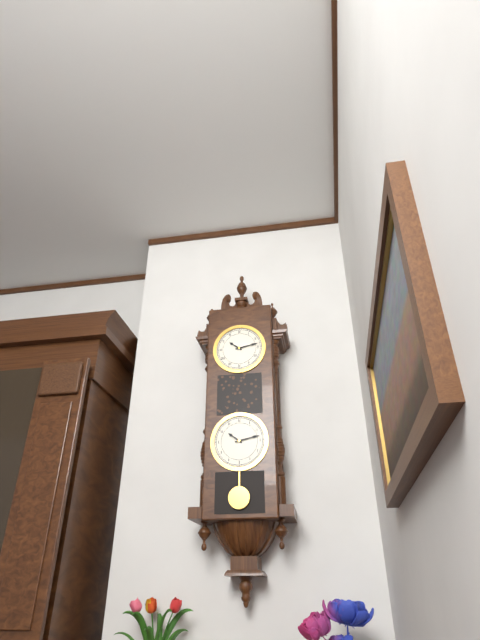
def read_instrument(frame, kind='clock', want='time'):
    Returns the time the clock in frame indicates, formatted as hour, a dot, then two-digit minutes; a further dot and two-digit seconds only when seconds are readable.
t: 10.13
